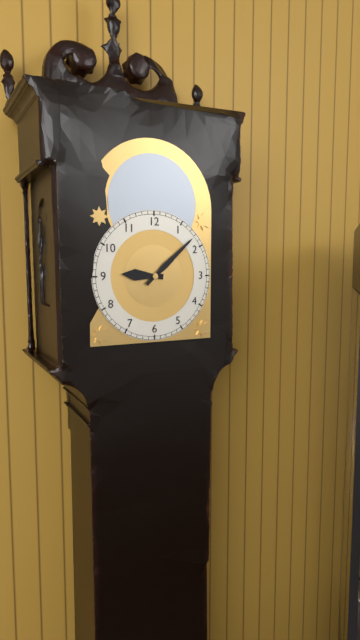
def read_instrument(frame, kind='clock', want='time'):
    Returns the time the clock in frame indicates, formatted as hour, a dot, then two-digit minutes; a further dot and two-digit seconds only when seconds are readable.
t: 9.08
